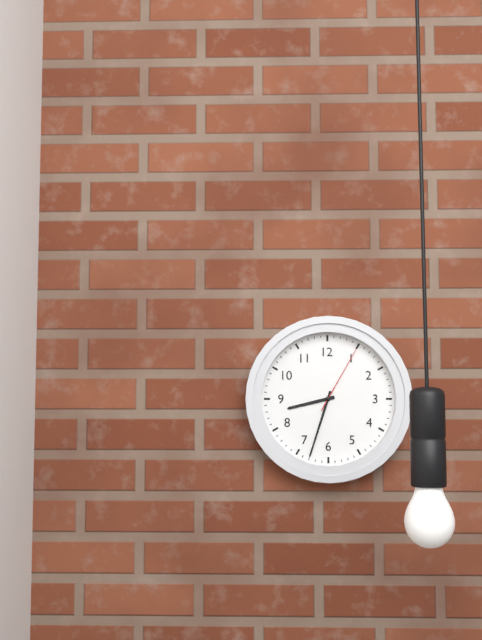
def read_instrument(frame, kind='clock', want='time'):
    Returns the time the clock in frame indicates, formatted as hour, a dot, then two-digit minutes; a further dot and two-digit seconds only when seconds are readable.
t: 8.33.05
